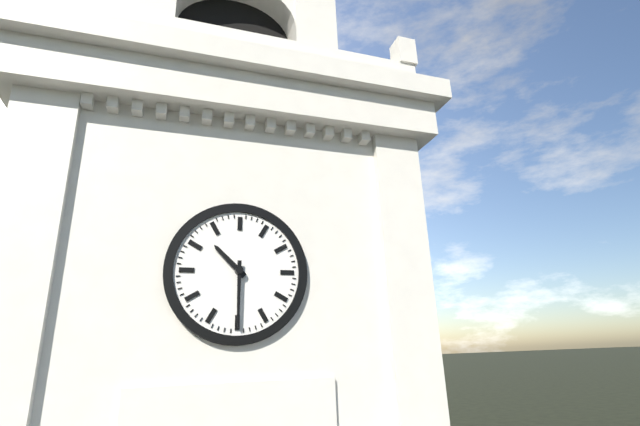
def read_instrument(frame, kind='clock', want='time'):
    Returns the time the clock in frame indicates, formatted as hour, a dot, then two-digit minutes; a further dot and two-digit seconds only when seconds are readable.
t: 10.30
